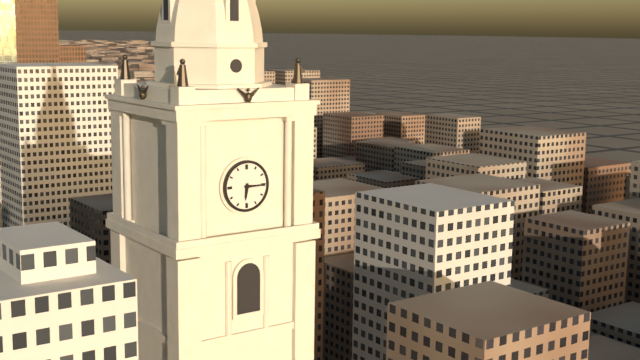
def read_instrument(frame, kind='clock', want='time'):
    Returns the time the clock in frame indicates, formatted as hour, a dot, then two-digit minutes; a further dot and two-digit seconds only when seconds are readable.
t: 6.15
